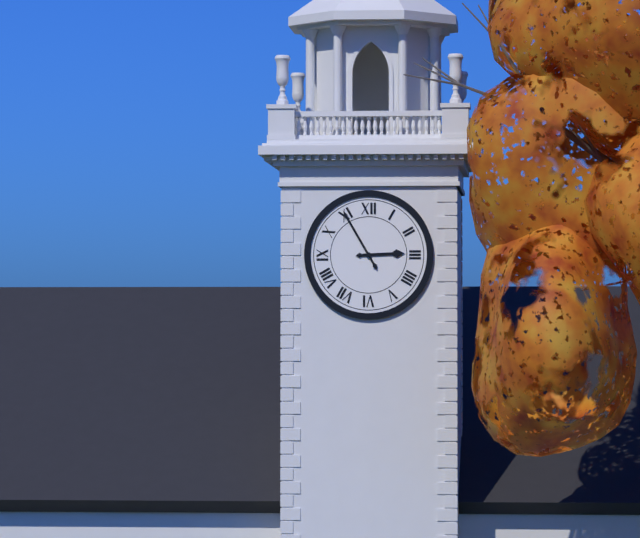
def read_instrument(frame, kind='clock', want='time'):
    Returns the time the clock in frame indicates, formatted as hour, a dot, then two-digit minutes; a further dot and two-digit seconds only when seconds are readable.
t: 2.55
